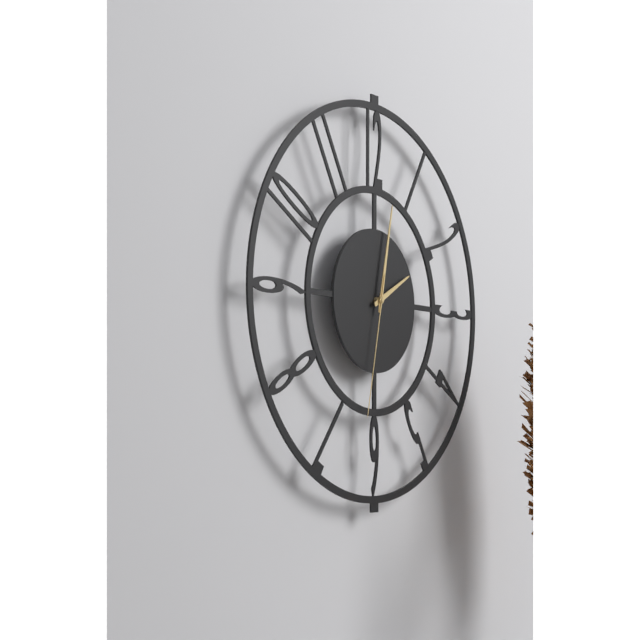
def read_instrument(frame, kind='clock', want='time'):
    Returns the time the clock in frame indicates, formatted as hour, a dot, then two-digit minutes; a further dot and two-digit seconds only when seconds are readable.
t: 2.02.32
